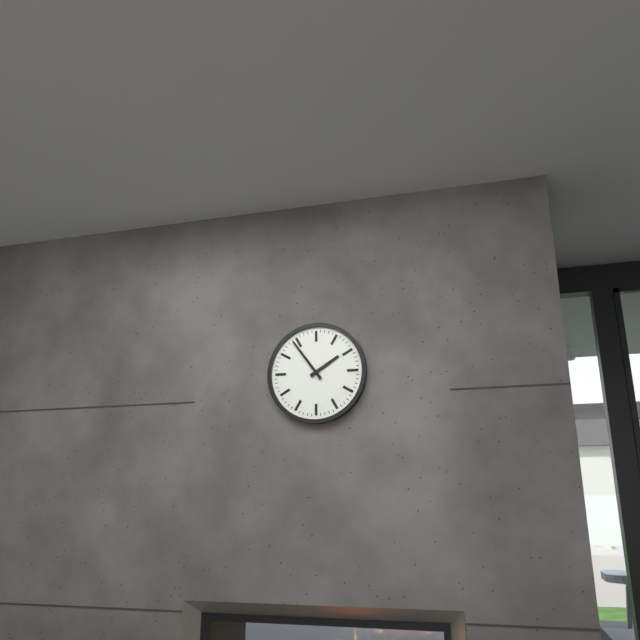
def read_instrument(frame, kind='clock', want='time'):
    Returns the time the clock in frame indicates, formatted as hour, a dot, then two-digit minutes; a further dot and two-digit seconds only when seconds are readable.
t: 1.54
